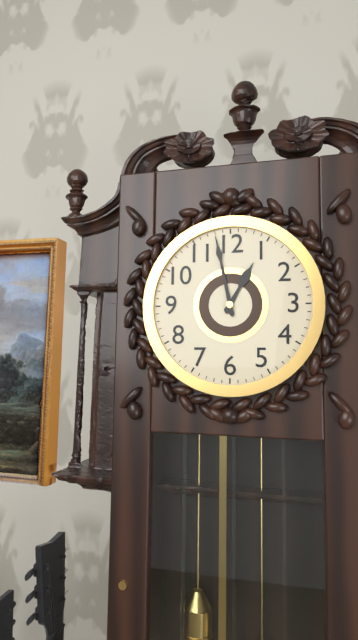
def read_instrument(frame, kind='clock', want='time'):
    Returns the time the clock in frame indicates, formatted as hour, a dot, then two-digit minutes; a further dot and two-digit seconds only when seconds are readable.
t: 12.58
